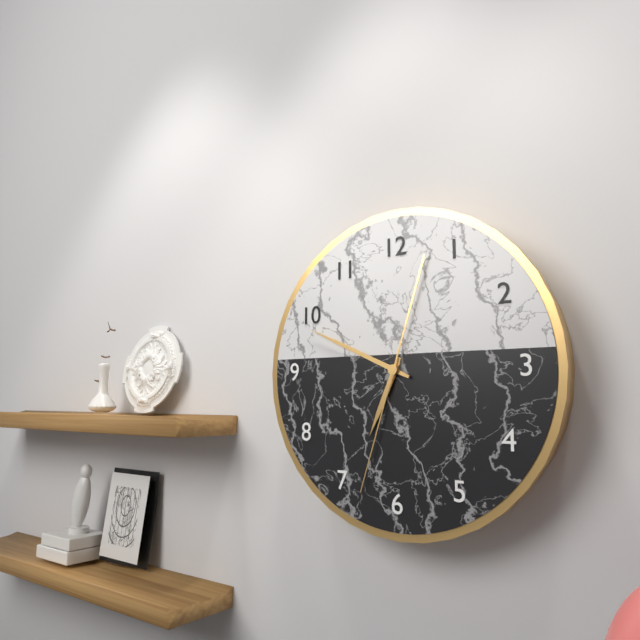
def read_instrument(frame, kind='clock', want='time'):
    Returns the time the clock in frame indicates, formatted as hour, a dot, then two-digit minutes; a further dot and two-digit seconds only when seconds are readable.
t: 6.49.33
